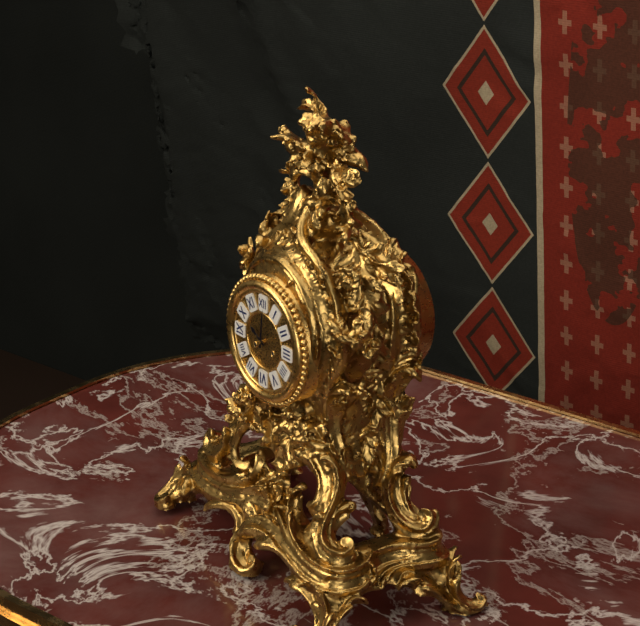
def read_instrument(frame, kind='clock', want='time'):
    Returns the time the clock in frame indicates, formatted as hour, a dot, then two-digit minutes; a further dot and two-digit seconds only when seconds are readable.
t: 10.01
